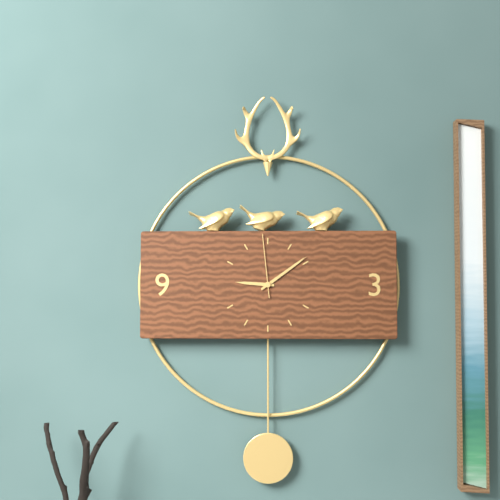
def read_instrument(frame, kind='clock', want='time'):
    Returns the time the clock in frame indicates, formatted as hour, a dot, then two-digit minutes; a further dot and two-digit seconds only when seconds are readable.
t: 9.09.59
